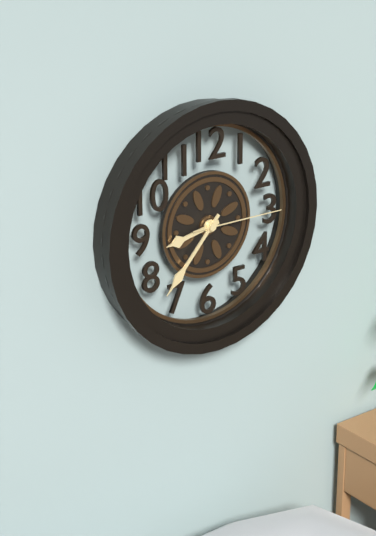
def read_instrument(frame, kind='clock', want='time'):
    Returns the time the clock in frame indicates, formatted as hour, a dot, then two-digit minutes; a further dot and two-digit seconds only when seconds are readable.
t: 8.37.15
